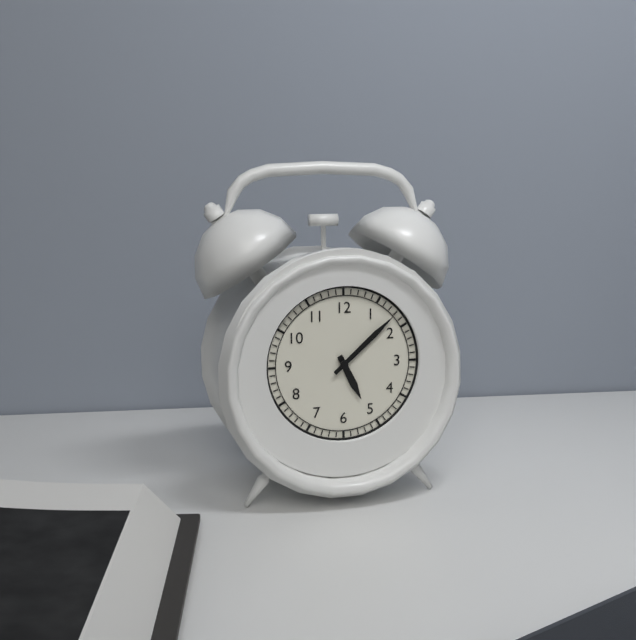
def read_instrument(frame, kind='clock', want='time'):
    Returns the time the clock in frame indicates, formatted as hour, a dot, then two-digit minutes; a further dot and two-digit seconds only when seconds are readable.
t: 5.08
